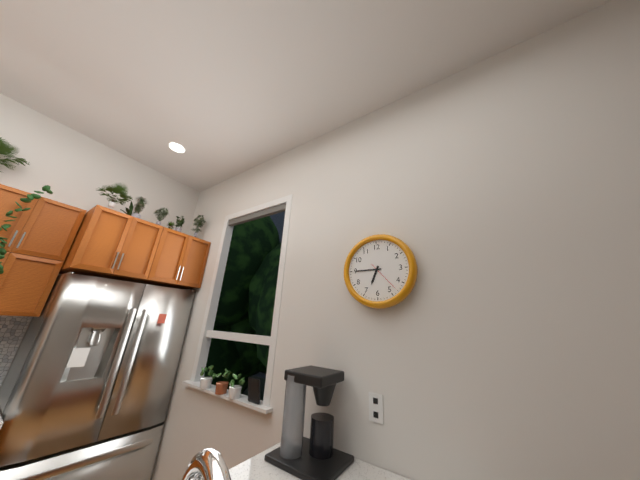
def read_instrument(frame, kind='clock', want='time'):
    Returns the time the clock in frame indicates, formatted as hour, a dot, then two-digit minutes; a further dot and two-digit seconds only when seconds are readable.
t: 6.45
